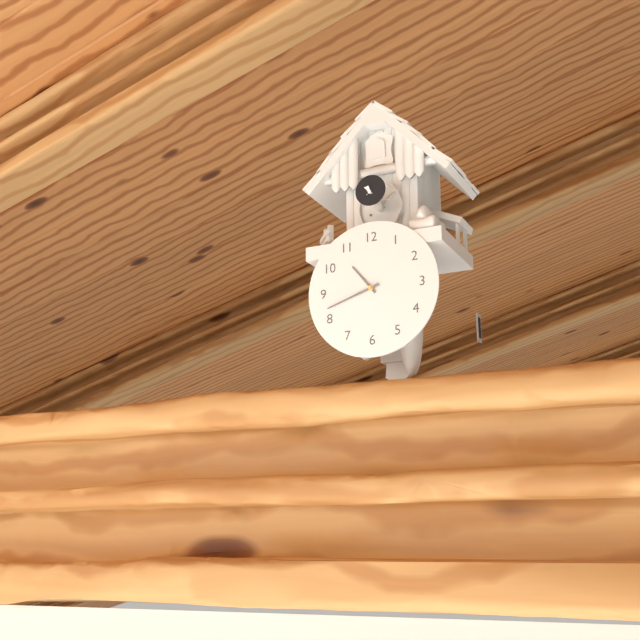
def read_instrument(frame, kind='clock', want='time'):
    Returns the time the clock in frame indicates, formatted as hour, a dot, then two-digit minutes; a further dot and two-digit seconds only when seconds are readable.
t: 10.42
